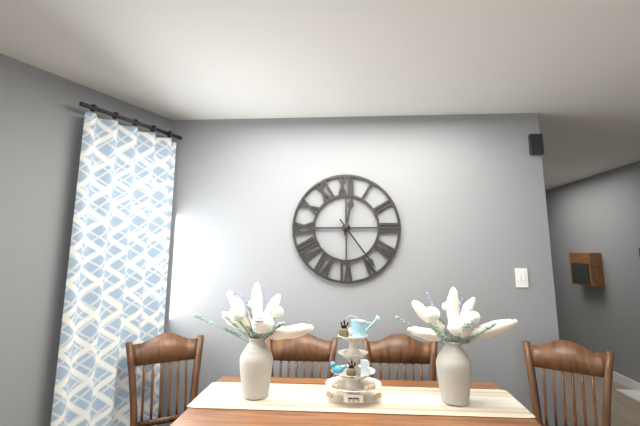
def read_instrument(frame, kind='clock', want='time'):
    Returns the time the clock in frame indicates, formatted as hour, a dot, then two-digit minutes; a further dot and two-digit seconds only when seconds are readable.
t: 12.24
